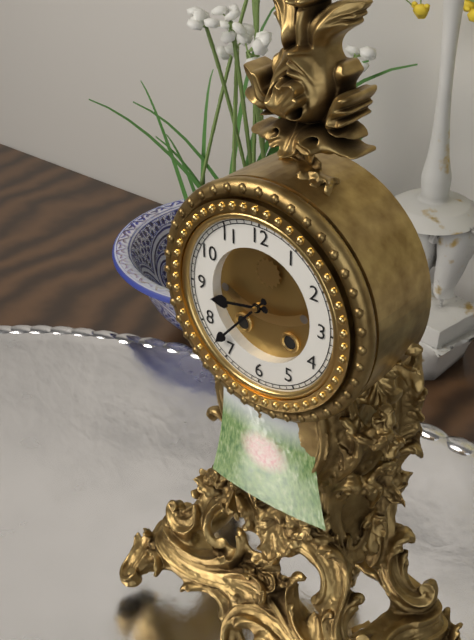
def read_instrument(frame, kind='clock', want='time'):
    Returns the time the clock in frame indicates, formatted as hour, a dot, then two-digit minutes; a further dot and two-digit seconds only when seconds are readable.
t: 8.37
